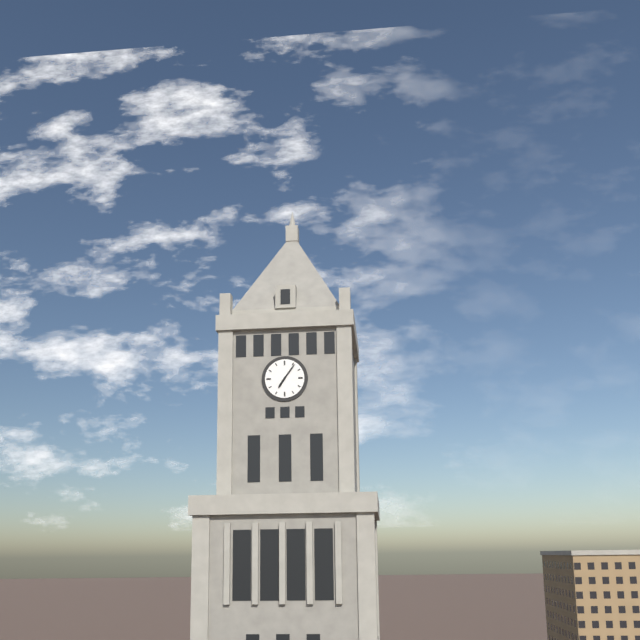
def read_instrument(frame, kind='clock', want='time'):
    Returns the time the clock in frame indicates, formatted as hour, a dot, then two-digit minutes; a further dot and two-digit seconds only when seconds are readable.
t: 7.06
